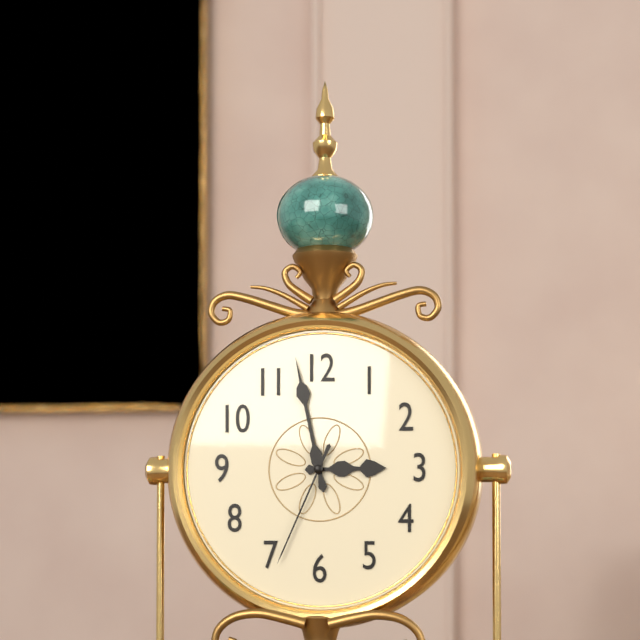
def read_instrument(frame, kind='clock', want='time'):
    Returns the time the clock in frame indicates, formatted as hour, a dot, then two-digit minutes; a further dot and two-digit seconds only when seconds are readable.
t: 2.58.34
